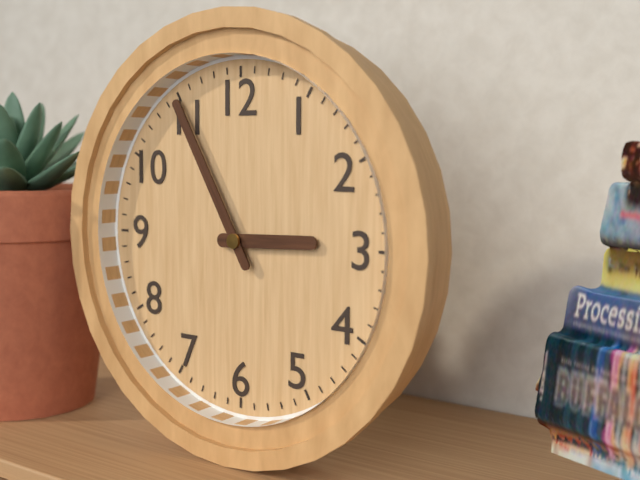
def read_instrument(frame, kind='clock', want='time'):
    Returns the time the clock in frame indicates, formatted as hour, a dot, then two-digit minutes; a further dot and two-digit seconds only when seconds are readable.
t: 2.55
